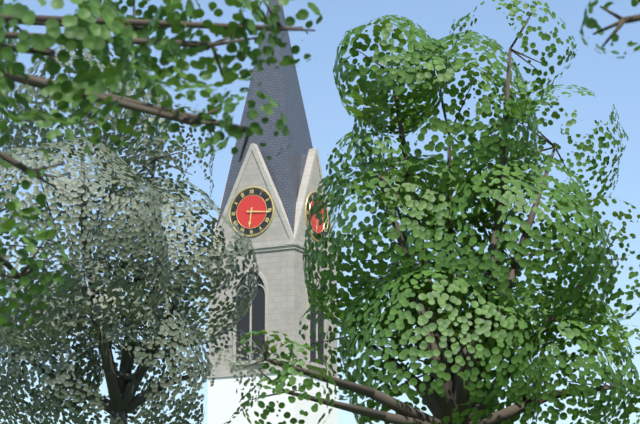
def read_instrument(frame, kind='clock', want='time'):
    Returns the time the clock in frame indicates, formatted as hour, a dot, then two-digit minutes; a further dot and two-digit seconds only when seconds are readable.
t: 6.16
